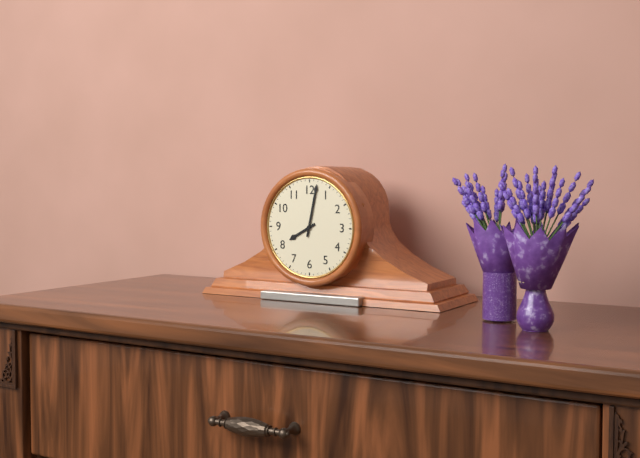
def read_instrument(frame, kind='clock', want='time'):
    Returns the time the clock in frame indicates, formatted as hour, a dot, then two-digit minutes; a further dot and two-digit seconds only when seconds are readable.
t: 8.02
